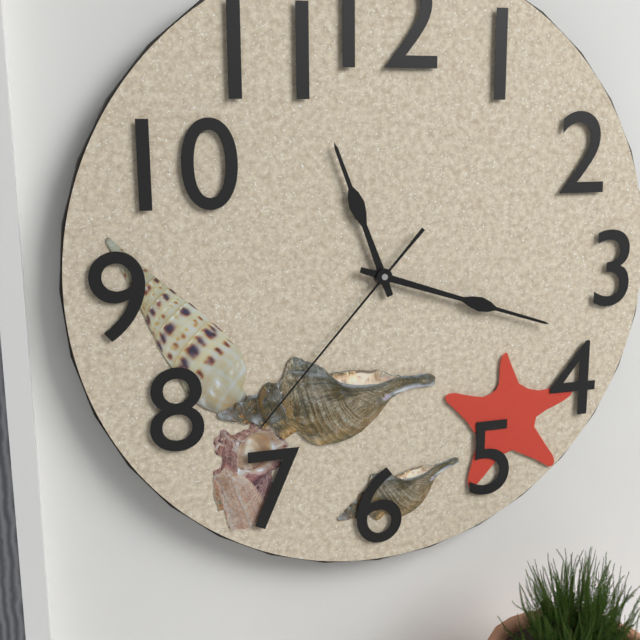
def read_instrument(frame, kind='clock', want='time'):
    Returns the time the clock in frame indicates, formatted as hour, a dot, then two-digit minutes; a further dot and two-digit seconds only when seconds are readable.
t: 11.18.37
